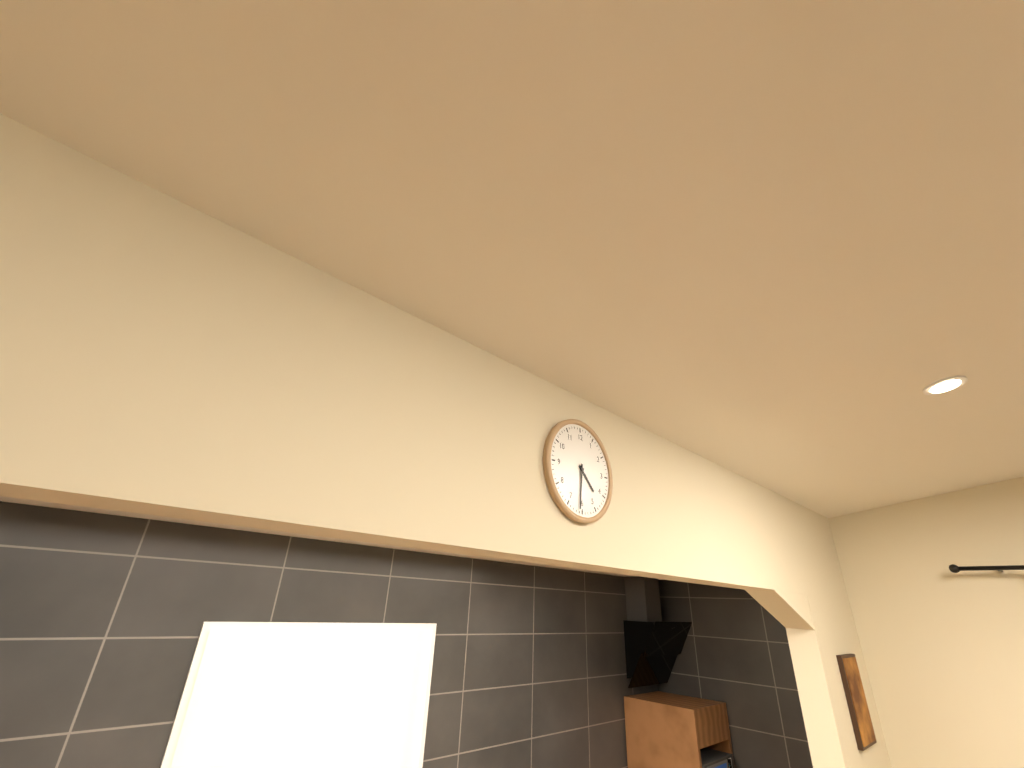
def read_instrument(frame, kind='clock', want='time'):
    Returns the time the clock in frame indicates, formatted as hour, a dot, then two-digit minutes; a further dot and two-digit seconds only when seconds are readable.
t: 4.31
